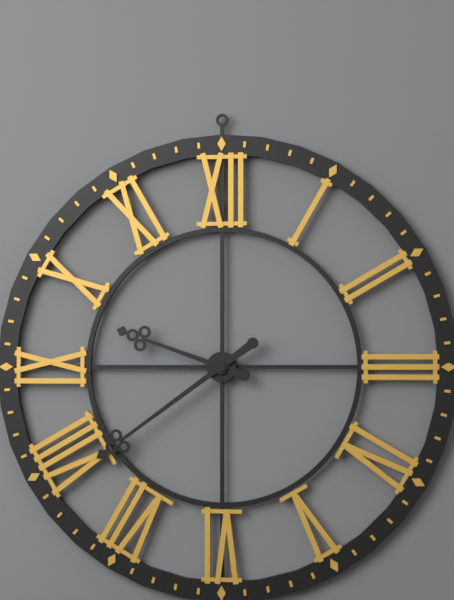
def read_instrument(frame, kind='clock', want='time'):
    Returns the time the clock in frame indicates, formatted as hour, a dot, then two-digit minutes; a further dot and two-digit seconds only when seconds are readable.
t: 9.39
